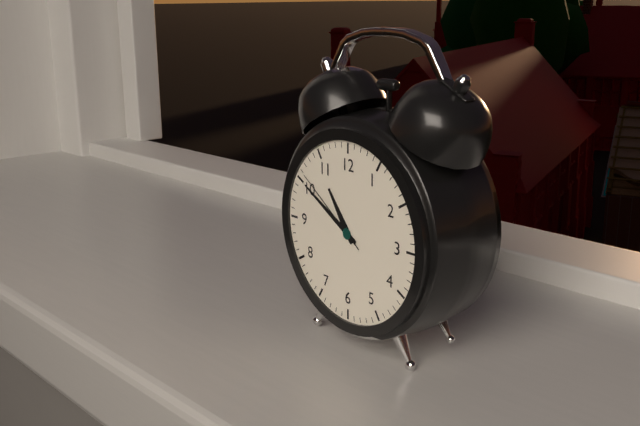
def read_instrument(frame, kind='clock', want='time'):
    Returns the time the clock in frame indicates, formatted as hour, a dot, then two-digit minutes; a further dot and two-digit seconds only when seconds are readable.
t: 10.50.51
